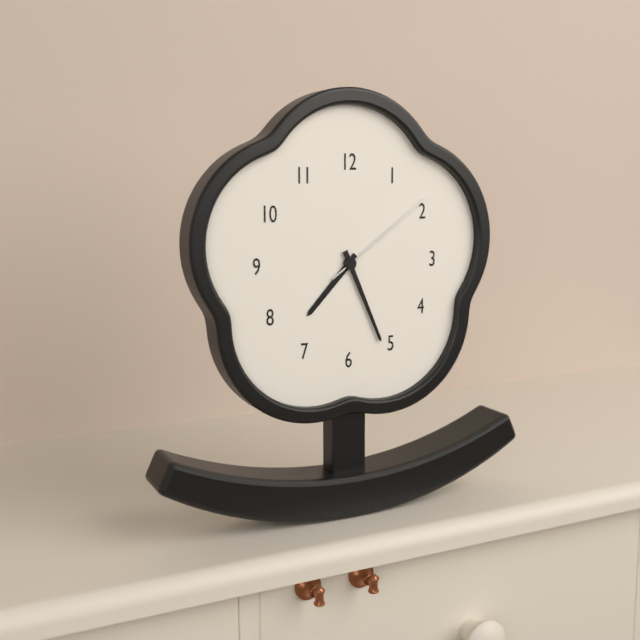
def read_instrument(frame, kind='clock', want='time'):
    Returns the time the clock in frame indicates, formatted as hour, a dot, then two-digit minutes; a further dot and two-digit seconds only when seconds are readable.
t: 7.26.09
